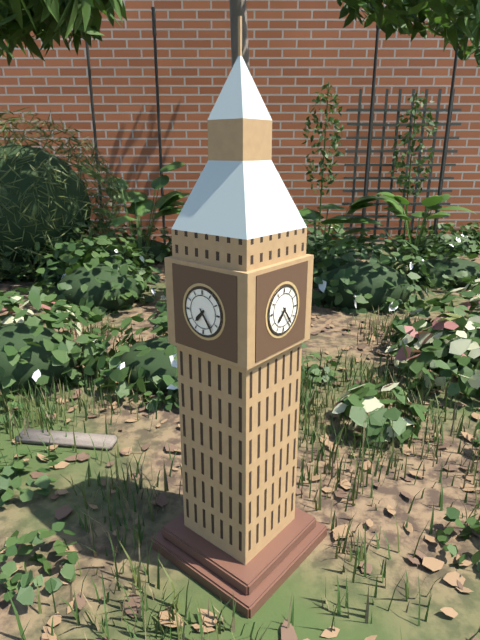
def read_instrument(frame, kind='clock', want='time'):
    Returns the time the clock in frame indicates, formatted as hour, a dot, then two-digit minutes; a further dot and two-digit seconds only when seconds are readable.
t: 7.24
